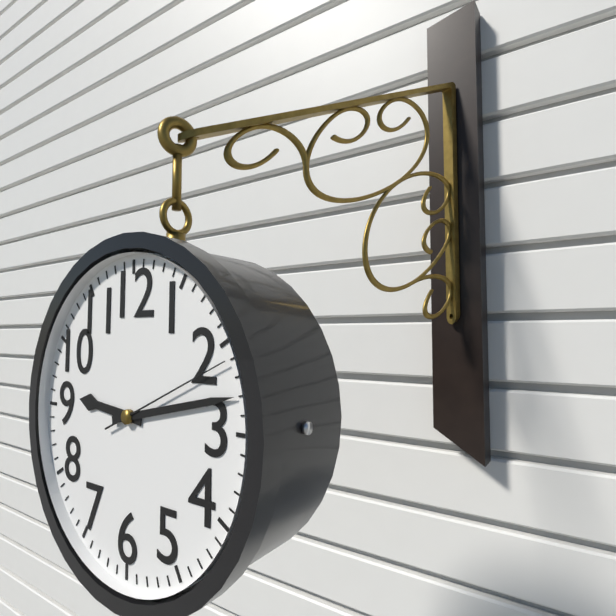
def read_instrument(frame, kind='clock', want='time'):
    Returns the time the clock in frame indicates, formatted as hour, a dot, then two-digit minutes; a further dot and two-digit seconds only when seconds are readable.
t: 9.13.11
